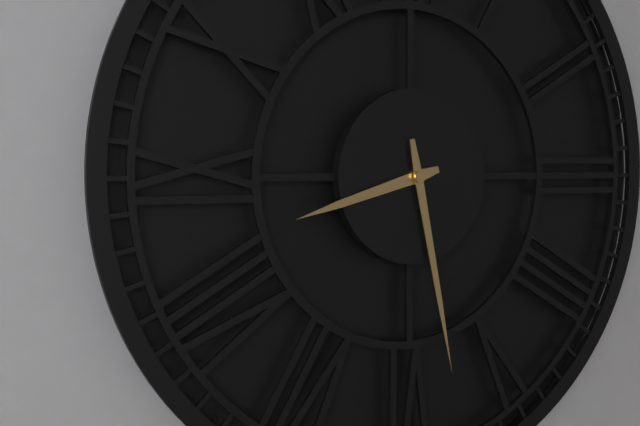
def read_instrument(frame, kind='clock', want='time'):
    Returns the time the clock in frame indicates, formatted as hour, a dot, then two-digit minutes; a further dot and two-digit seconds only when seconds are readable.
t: 8.28
